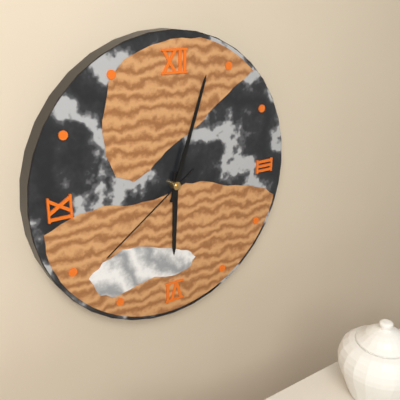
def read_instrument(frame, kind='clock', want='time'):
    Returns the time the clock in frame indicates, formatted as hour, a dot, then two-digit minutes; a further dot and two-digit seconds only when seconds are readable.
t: 6.03.39
